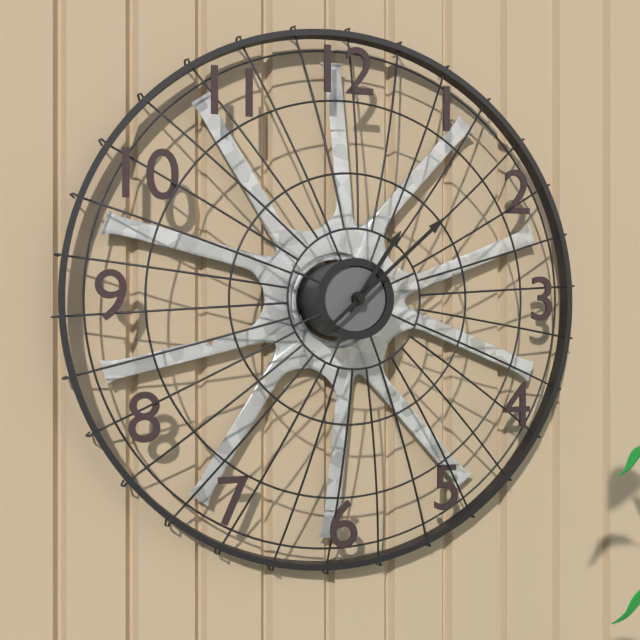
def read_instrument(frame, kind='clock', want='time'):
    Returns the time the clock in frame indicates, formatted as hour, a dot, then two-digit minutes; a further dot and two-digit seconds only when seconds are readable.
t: 1.08
